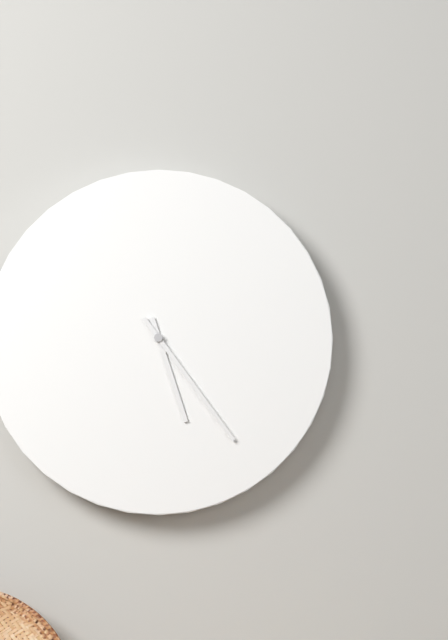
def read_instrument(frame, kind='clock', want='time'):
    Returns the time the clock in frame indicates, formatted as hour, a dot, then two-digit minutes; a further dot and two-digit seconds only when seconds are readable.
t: 5.24
